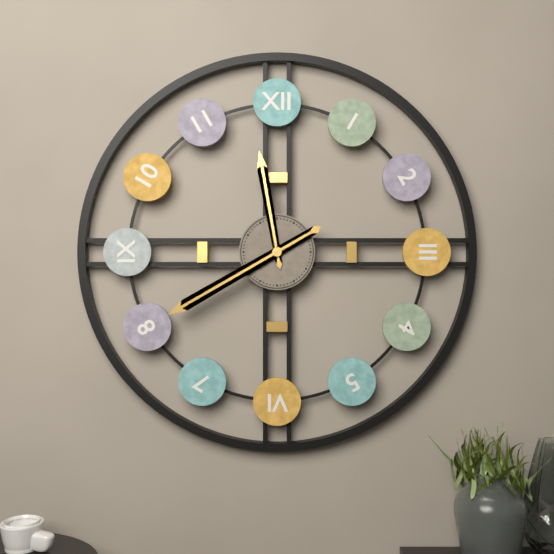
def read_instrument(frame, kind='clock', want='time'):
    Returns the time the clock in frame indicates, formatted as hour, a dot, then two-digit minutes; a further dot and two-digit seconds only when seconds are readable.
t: 11.40
